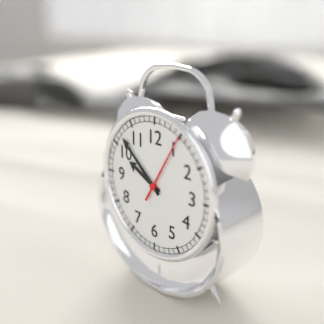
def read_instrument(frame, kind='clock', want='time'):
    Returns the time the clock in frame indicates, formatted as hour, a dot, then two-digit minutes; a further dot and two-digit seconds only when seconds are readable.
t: 9.52.05
